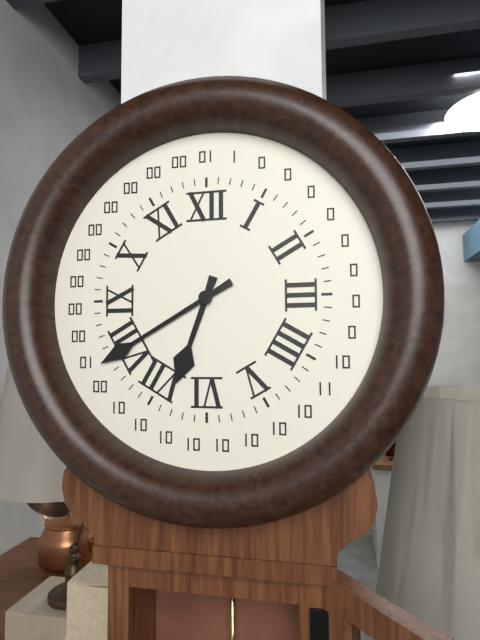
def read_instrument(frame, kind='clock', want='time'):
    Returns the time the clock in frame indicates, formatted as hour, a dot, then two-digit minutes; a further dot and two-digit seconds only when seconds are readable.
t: 6.40
